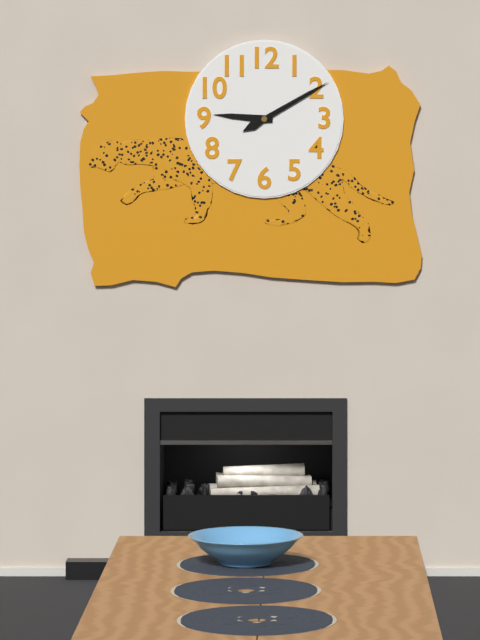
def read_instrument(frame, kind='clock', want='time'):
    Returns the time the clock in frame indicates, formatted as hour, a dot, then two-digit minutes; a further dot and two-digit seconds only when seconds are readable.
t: 9.10.10
